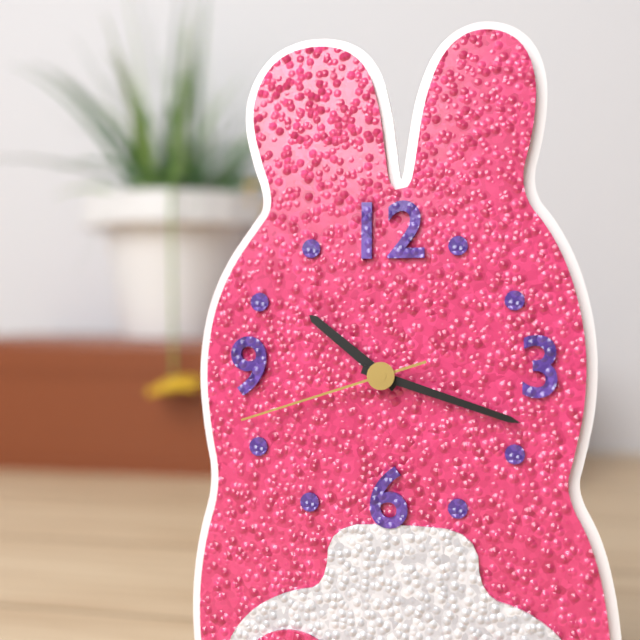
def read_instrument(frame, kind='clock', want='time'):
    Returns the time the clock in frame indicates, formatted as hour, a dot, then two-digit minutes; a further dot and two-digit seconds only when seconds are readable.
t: 10.18.42
